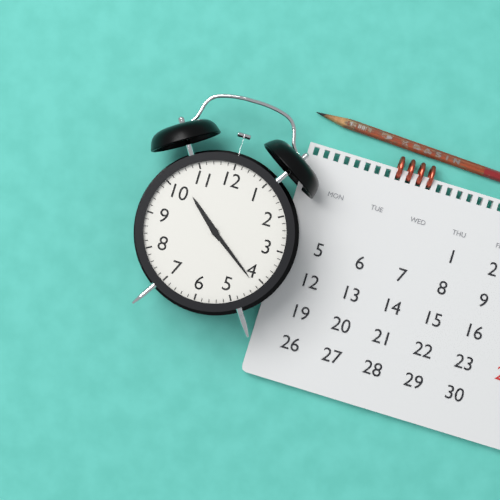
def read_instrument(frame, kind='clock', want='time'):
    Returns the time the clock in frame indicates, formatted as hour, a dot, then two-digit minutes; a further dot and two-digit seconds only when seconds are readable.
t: 10.21
